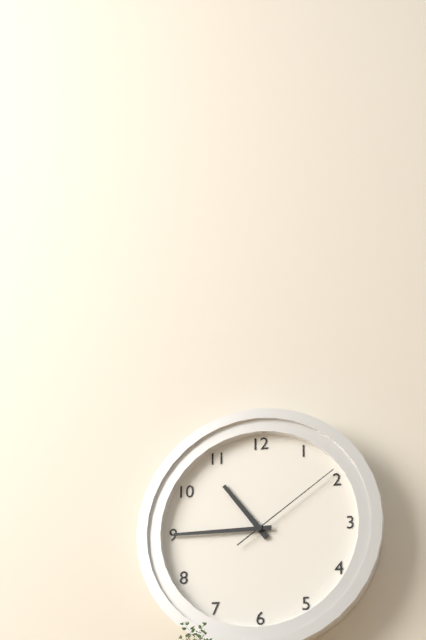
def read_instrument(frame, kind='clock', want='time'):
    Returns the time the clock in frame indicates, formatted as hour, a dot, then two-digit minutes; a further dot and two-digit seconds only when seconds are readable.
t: 10.45.09
